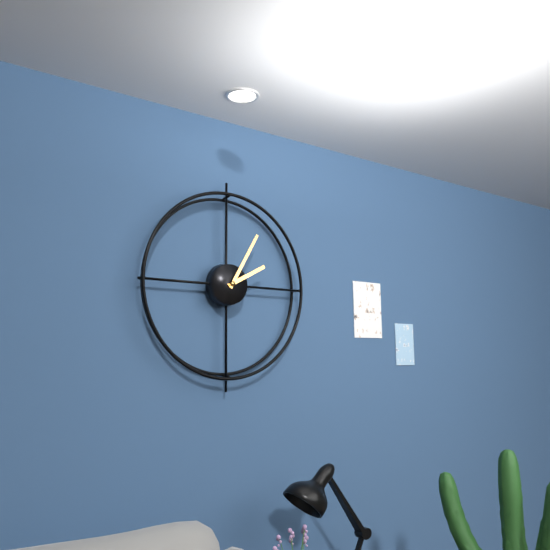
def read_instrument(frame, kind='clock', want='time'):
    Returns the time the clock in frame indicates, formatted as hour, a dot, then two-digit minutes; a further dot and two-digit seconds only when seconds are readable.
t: 2.05
